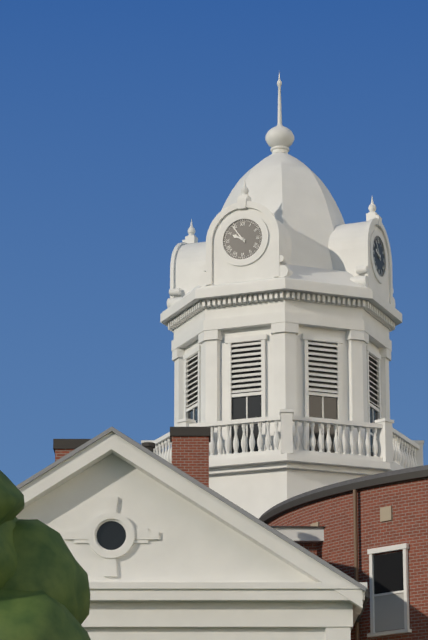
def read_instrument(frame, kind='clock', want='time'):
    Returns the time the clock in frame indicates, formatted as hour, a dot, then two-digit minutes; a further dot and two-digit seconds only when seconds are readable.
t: 9.54
